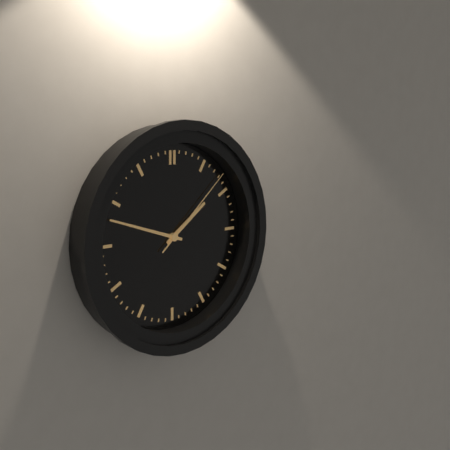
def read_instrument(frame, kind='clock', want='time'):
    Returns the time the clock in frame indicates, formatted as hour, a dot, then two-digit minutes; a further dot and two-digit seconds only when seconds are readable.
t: 1.48.08
